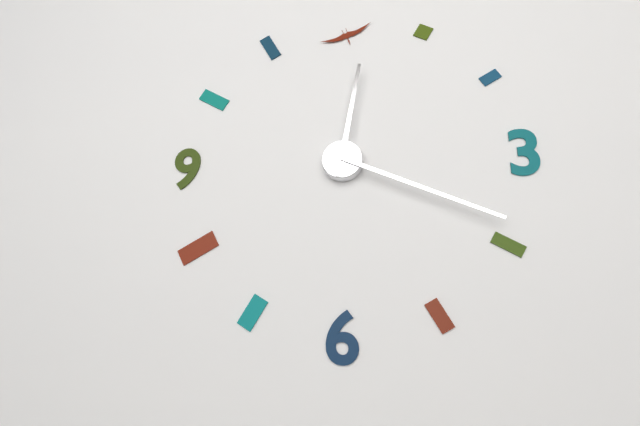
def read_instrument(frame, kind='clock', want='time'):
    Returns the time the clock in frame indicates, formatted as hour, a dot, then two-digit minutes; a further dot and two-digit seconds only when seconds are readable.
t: 12.19
